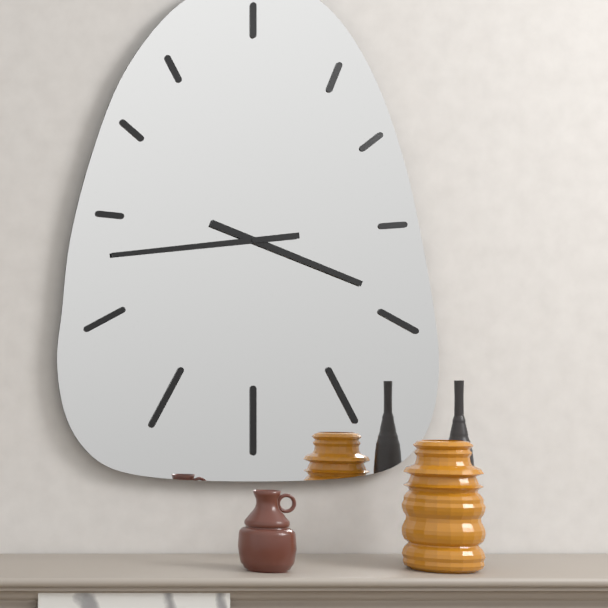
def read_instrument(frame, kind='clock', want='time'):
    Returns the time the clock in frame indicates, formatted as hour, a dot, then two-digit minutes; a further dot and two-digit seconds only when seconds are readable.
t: 3.44
